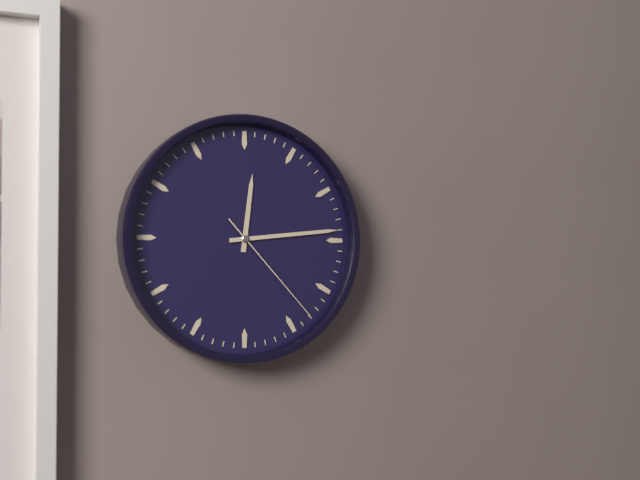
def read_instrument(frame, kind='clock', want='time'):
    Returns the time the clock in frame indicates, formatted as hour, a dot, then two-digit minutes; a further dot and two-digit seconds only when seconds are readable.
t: 12.14.23
